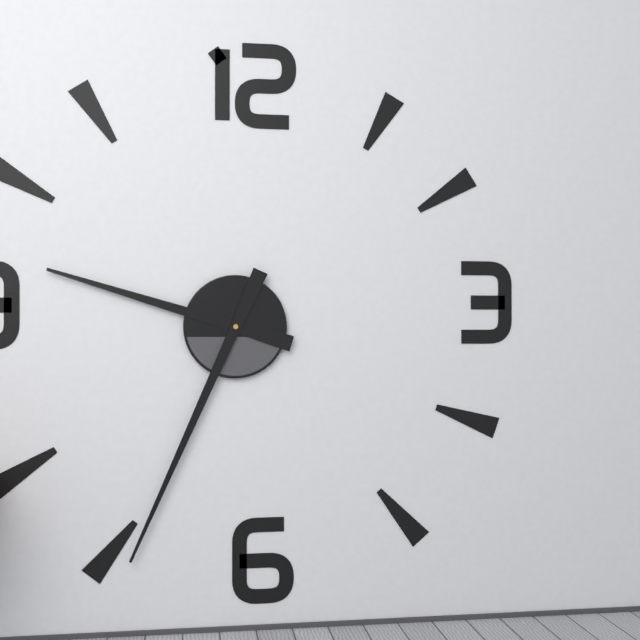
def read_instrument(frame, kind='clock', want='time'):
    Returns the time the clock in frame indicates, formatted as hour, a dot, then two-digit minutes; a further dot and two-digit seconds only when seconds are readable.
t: 9.34
